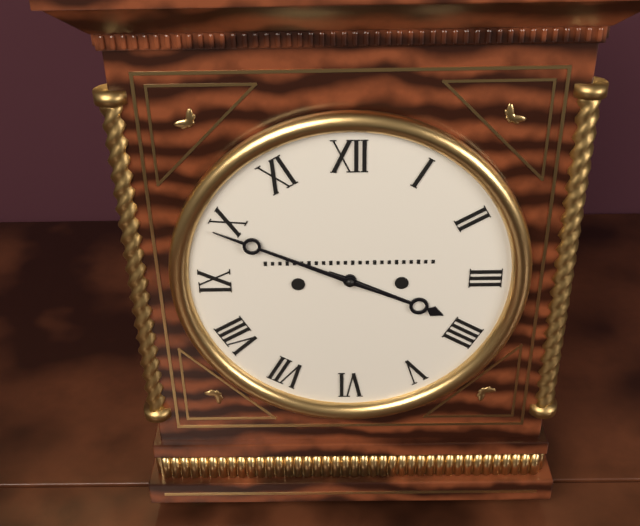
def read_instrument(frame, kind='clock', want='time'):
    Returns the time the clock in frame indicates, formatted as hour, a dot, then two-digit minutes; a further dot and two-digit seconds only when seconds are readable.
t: 3.49
